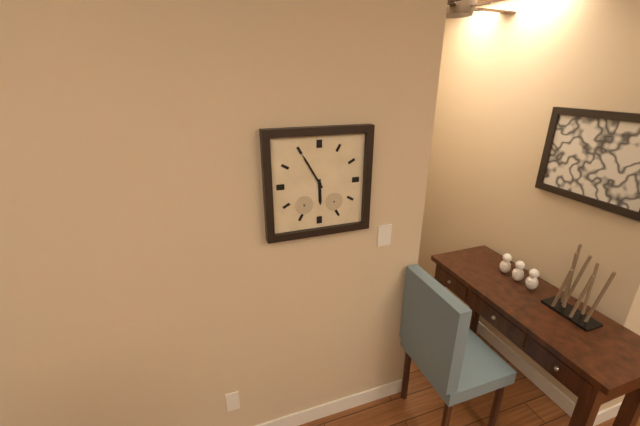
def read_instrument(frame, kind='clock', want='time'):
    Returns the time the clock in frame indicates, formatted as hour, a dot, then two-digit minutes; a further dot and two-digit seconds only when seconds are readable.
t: 5.55
